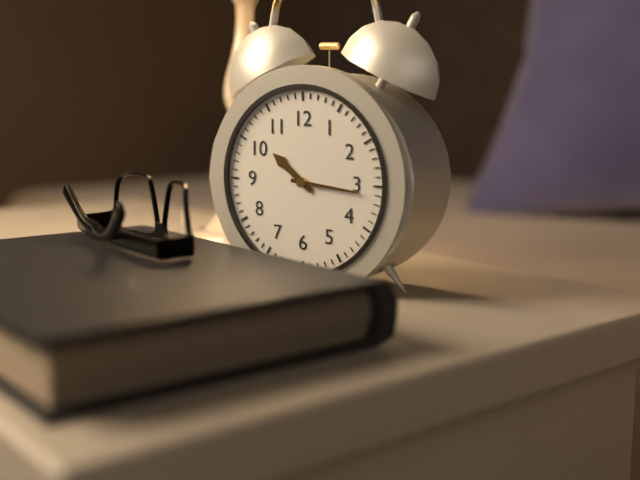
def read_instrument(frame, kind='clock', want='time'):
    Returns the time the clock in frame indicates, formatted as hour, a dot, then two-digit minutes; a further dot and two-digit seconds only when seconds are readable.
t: 10.16
